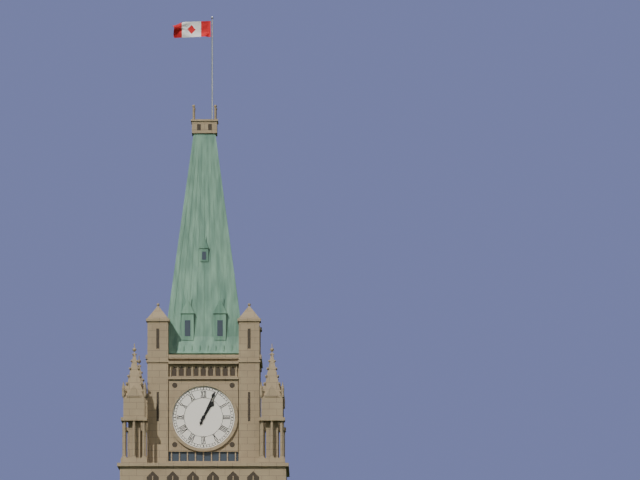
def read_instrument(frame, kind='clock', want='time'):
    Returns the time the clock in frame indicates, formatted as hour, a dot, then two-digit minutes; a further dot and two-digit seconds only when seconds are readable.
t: 1.04
